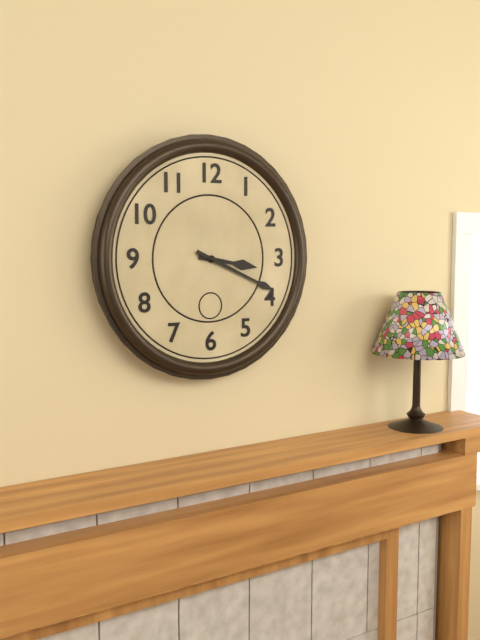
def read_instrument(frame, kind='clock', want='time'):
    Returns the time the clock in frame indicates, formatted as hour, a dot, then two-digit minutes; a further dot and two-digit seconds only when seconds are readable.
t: 3.19
